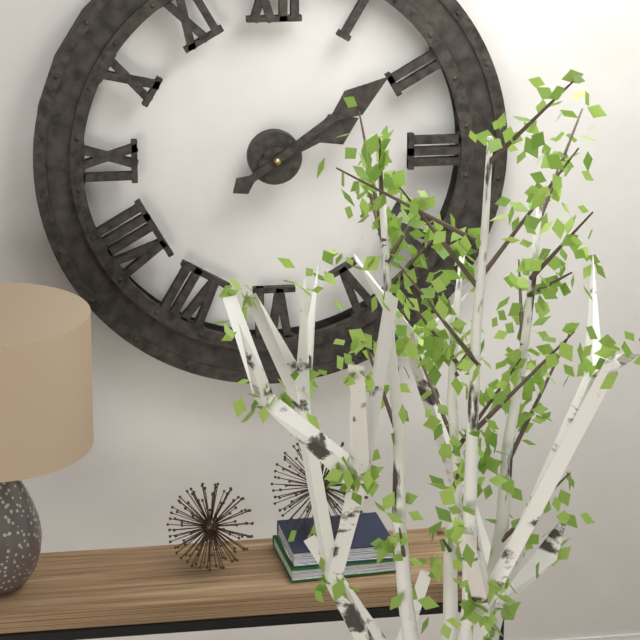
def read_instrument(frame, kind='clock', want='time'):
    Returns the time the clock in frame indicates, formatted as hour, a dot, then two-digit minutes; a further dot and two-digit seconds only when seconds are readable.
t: 2.09
